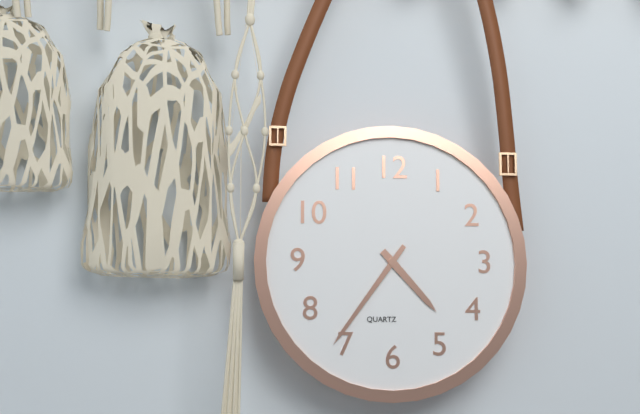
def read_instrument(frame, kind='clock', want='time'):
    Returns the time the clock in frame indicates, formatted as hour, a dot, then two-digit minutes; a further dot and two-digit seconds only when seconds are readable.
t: 4.36
